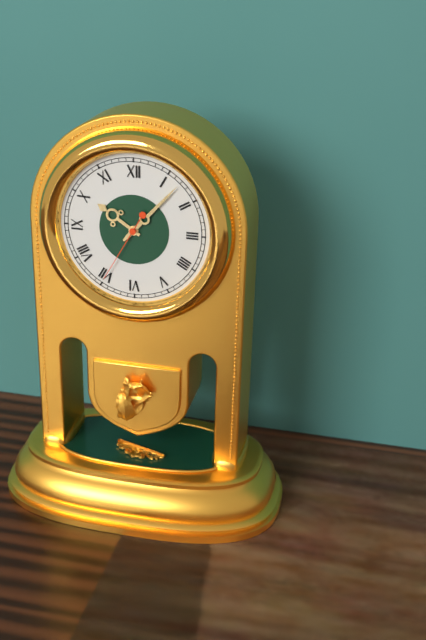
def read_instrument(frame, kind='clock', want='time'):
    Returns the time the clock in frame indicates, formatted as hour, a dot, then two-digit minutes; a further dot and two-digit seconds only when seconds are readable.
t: 10.07.35
